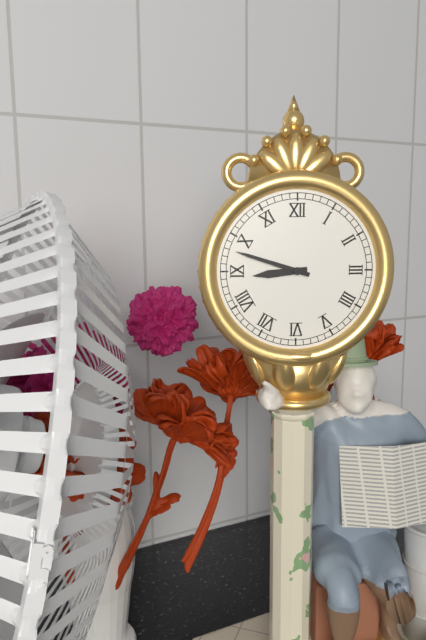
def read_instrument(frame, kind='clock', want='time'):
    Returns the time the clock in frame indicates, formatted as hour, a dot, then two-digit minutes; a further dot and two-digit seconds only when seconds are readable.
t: 8.48
